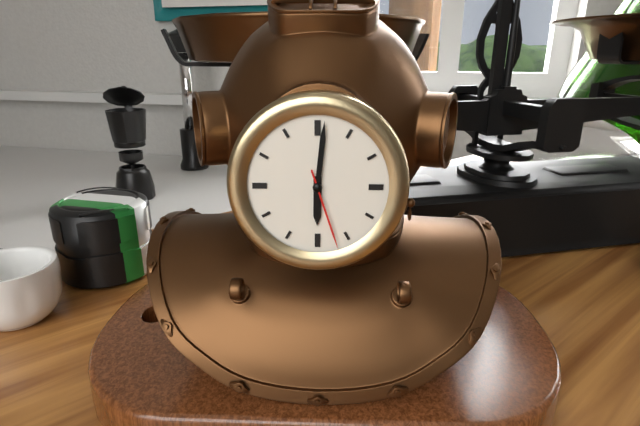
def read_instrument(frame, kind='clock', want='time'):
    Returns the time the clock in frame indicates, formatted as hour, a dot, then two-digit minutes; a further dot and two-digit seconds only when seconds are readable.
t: 6.01.27
